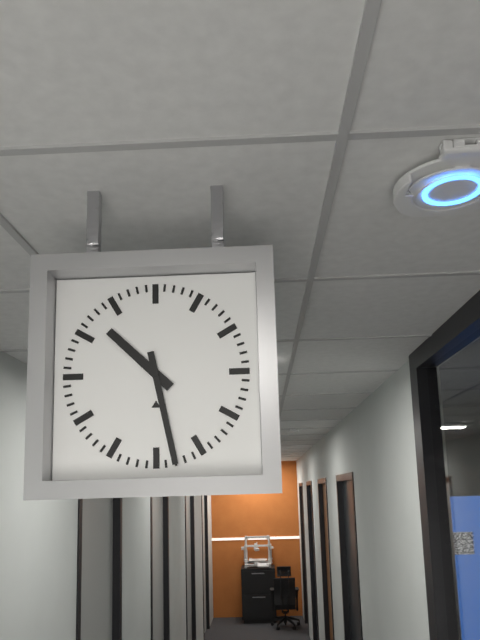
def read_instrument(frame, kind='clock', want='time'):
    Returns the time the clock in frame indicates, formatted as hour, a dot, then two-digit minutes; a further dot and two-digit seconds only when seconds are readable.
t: 10.28
